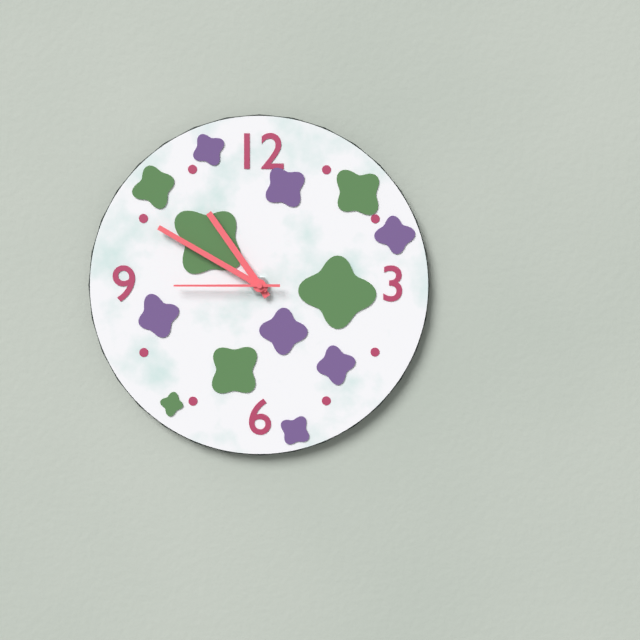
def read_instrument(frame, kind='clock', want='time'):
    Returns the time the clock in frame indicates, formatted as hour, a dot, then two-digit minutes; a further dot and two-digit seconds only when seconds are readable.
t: 10.50.45
